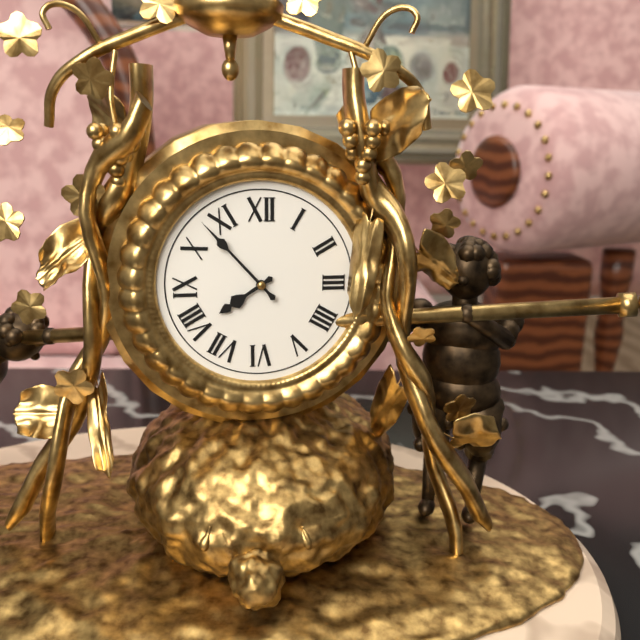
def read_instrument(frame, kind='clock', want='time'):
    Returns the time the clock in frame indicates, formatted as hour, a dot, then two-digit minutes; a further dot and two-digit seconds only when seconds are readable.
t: 7.53
